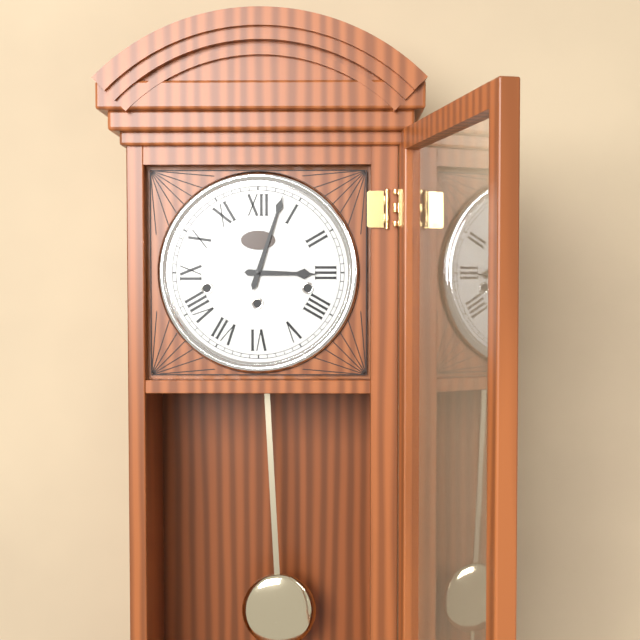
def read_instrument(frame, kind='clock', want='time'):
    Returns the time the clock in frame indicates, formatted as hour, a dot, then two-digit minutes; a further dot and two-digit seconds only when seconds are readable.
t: 3.03
